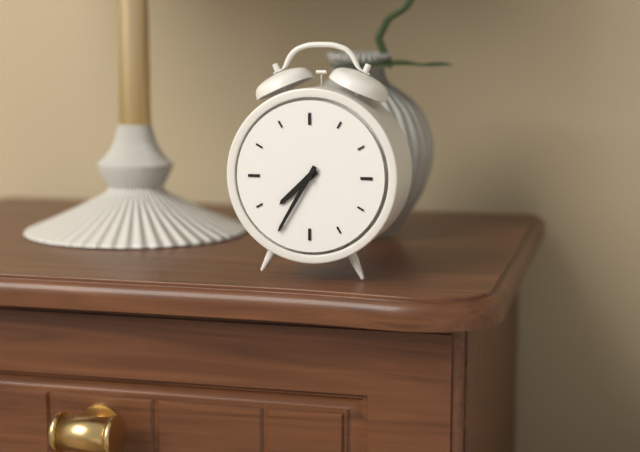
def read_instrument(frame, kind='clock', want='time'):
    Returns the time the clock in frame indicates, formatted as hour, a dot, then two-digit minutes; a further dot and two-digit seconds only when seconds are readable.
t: 7.35
